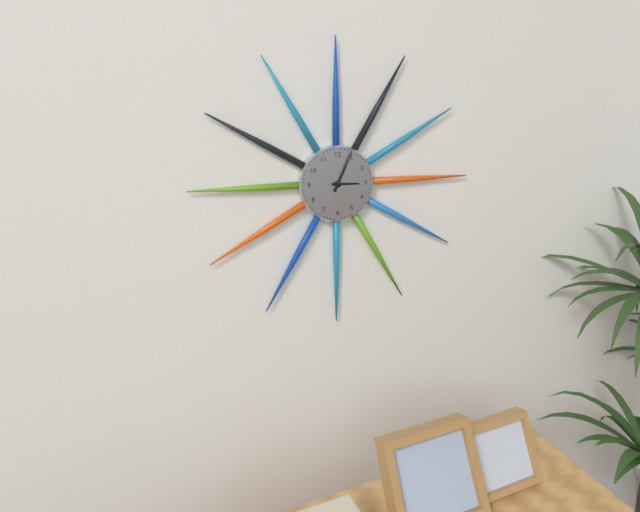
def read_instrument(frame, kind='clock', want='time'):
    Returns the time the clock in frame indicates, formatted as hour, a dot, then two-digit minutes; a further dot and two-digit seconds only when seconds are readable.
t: 3.04
